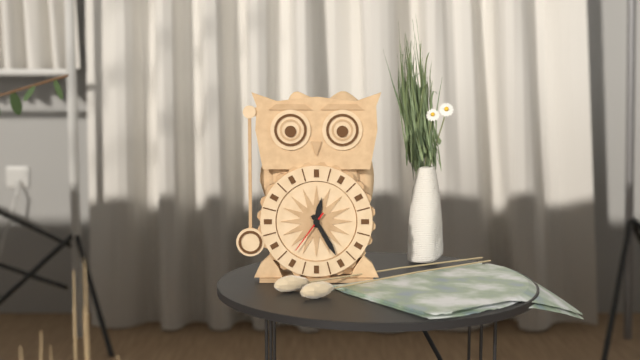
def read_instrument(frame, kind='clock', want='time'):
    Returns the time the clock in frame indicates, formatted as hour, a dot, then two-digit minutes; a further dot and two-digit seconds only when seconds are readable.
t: 12.25
